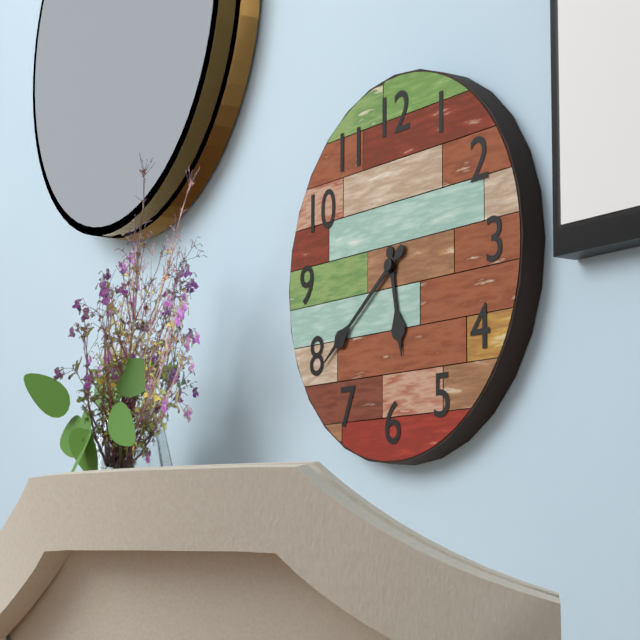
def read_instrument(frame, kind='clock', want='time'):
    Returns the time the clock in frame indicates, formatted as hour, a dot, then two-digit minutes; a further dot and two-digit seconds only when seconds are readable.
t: 5.39
